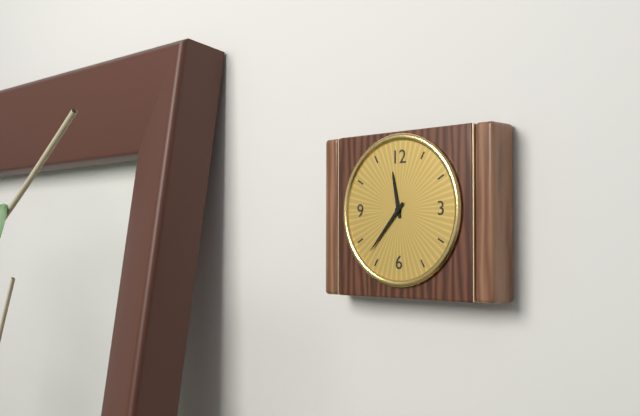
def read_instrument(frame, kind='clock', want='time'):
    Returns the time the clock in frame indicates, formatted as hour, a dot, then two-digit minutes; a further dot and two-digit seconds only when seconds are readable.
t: 11.37
